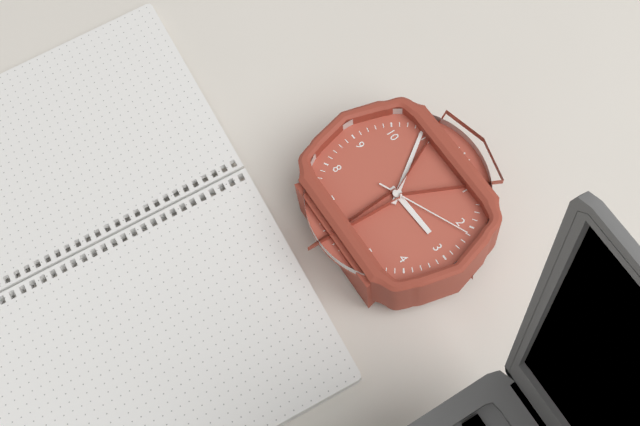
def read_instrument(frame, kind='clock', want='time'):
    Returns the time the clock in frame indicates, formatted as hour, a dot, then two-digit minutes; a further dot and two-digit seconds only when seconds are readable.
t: 2.54.11
